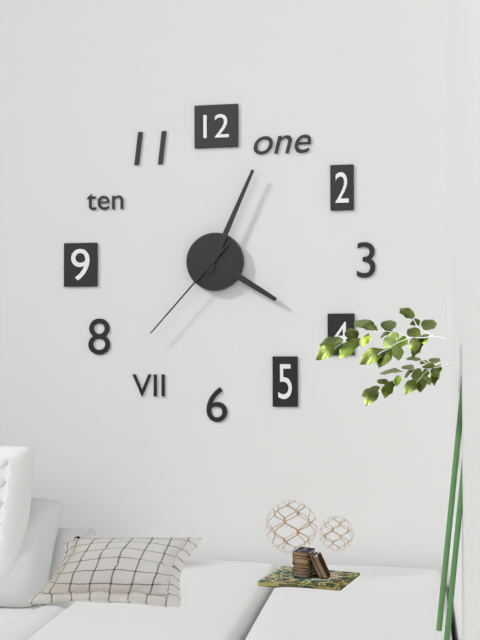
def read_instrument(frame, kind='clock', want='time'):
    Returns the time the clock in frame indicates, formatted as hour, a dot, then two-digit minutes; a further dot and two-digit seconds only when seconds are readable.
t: 4.04.37
